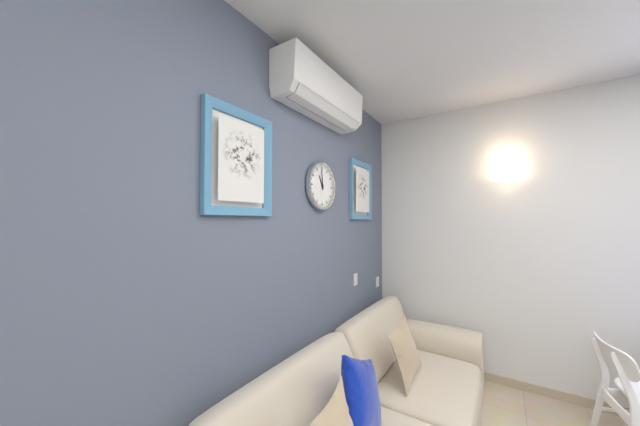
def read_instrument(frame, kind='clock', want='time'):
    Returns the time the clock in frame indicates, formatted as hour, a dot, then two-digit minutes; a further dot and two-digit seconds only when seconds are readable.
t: 10.59
